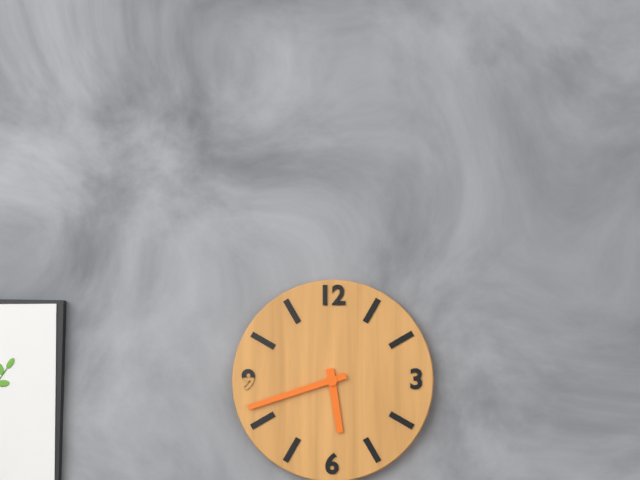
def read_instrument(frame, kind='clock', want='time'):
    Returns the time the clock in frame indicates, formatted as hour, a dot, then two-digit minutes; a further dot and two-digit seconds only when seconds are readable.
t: 5.42
